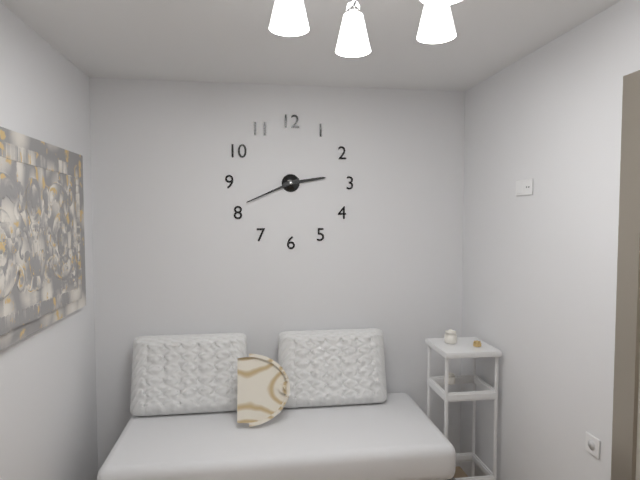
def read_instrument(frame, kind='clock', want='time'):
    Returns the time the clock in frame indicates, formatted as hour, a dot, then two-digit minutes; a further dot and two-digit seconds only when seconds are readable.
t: 2.41
